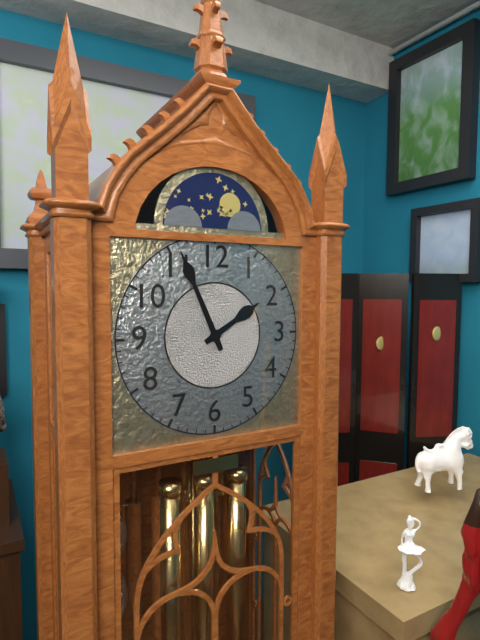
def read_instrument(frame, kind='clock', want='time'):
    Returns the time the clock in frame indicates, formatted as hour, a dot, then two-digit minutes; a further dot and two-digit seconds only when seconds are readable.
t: 1.56
